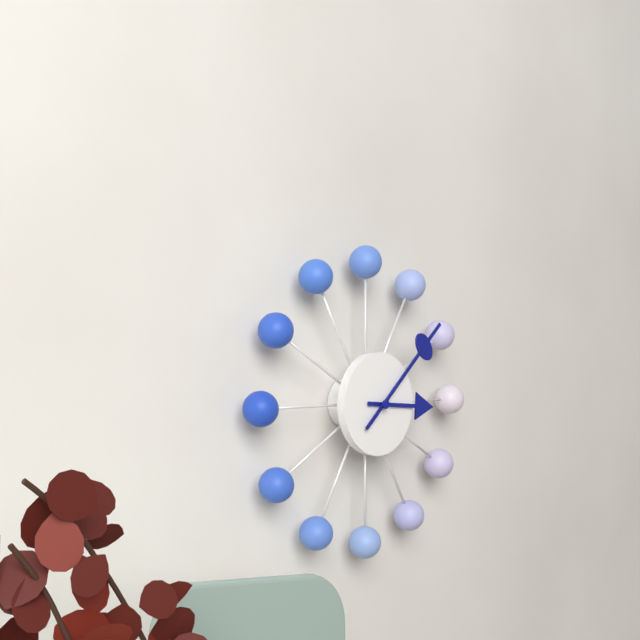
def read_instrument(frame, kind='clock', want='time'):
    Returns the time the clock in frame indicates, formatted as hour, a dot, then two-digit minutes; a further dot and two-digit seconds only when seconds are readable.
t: 3.08
